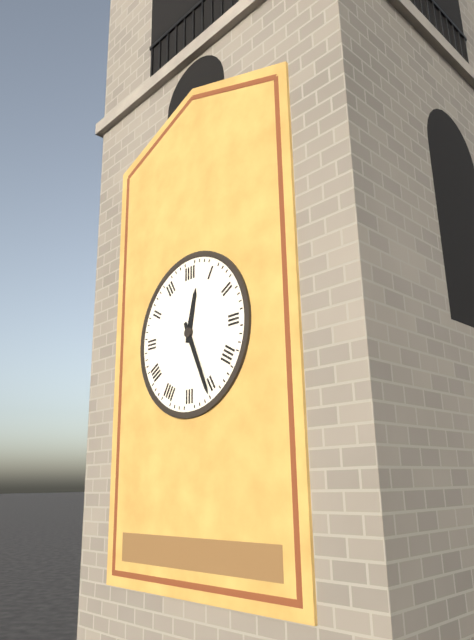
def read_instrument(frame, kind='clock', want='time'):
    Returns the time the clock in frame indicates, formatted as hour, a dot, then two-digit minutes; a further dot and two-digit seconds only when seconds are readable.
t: 12.26
